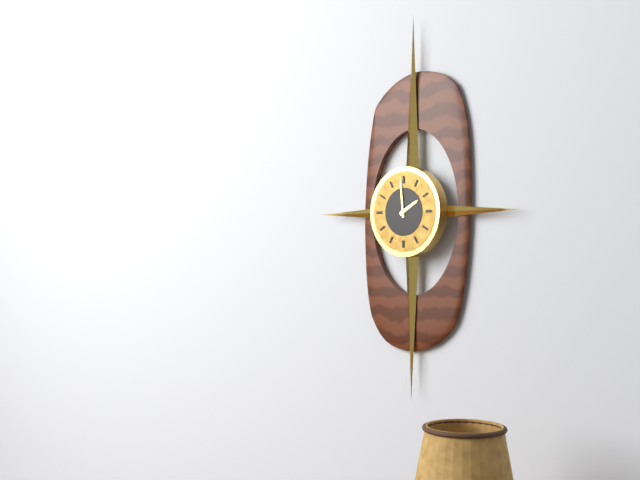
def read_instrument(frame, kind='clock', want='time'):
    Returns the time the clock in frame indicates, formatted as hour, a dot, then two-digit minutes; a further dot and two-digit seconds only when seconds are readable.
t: 1.59
